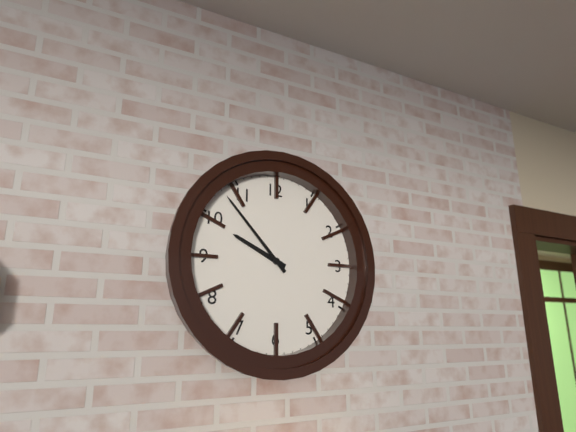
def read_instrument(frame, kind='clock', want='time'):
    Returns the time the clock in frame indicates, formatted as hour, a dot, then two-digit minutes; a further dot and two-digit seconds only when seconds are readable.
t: 9.53
